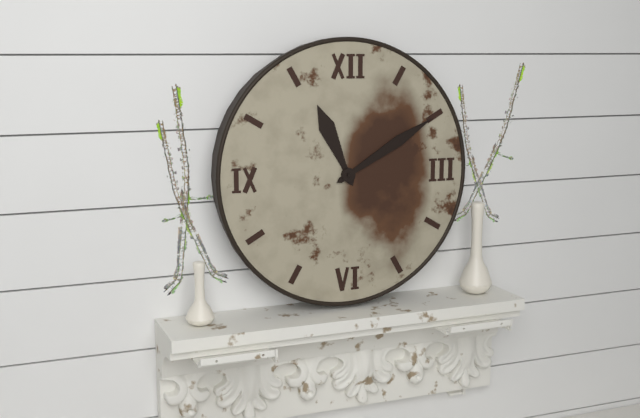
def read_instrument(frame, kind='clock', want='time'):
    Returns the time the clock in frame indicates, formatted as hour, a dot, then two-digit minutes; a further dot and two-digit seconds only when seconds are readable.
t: 11.10
